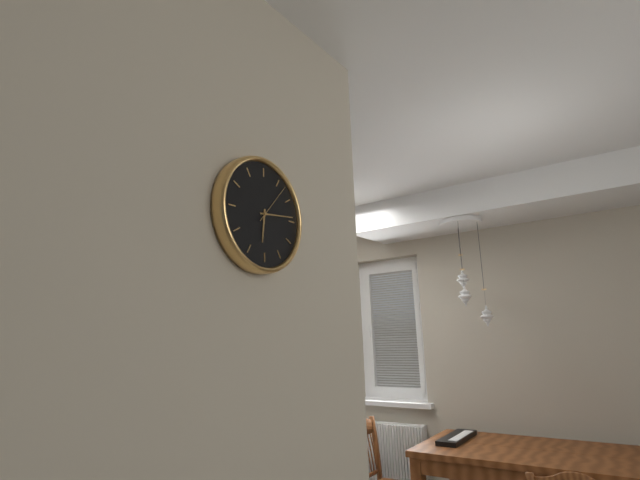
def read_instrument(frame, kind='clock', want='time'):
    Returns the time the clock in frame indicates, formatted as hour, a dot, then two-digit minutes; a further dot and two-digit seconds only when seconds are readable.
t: 6.14.07
